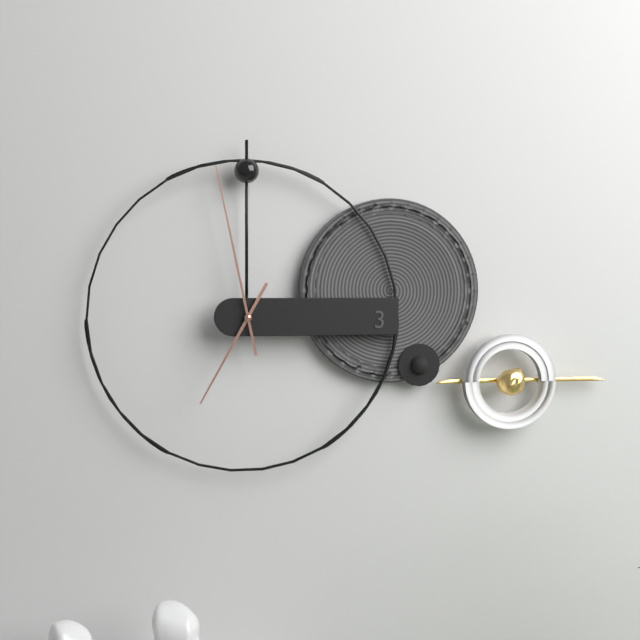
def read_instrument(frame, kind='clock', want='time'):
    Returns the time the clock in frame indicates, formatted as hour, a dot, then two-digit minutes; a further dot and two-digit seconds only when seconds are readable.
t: 6.58
